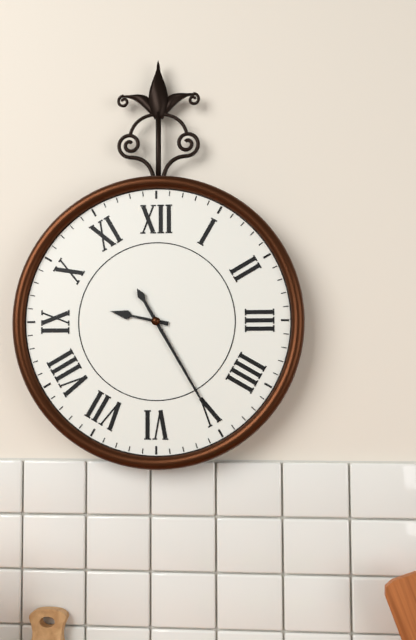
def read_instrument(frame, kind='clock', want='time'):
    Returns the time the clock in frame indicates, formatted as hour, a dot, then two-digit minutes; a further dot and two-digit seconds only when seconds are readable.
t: 9.25
